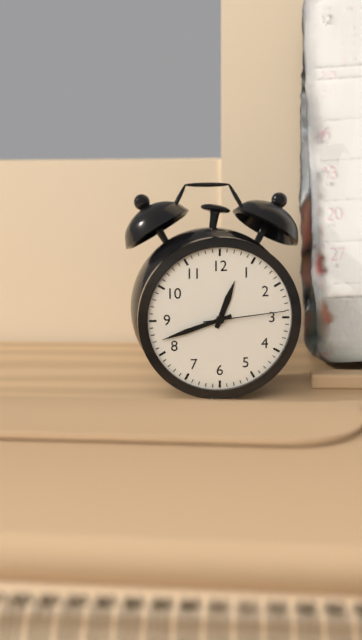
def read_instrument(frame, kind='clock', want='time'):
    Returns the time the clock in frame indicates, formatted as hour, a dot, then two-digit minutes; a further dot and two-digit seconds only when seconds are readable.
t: 12.42.14
